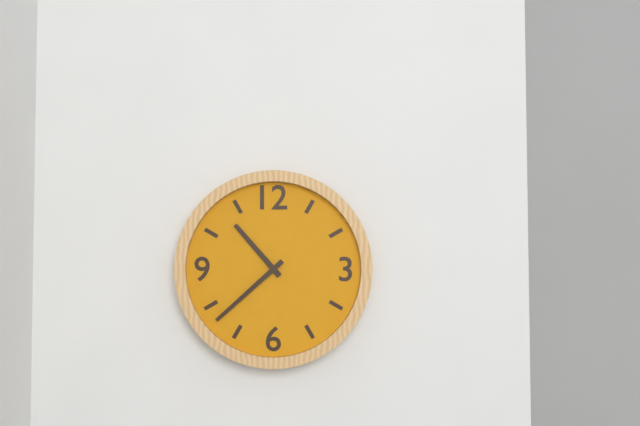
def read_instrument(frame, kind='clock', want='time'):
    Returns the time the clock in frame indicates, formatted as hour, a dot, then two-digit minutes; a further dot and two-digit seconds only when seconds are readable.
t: 10.38
